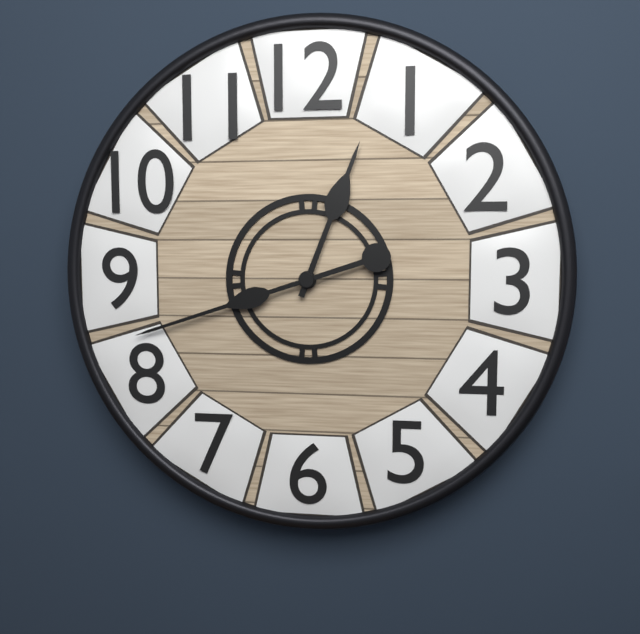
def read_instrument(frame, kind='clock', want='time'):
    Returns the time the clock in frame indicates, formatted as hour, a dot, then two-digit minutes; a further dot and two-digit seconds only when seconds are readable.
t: 12.42
